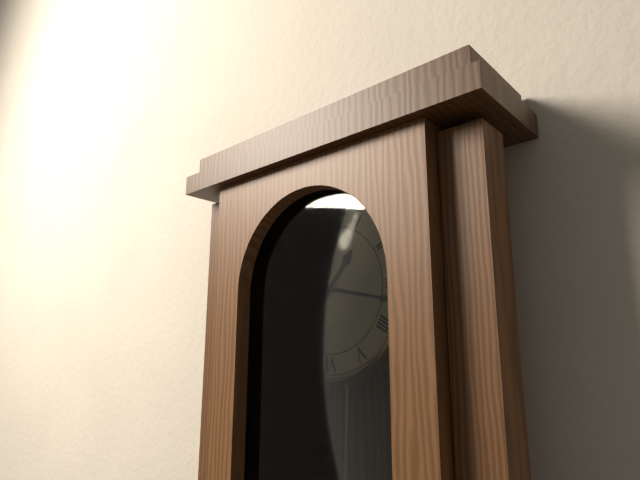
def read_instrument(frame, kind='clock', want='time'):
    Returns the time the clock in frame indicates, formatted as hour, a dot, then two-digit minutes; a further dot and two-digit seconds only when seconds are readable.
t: 1.17
